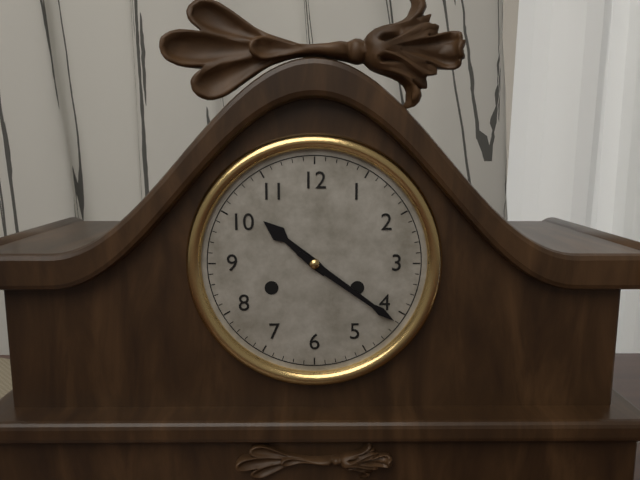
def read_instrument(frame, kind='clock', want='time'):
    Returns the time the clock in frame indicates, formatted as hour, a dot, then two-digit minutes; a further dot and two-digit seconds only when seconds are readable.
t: 10.21
